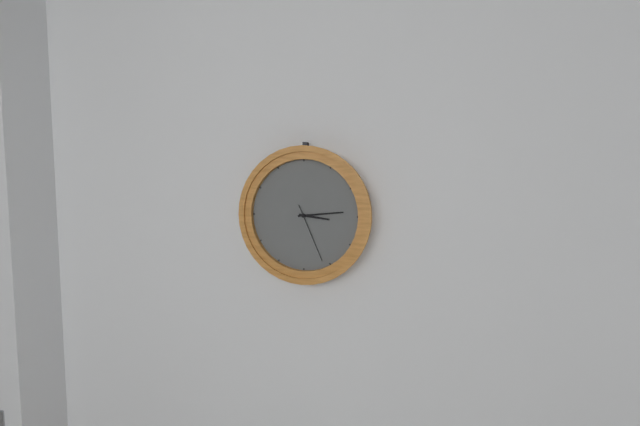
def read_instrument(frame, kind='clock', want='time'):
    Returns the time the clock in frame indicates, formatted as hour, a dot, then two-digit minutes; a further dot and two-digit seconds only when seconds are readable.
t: 3.14.26
